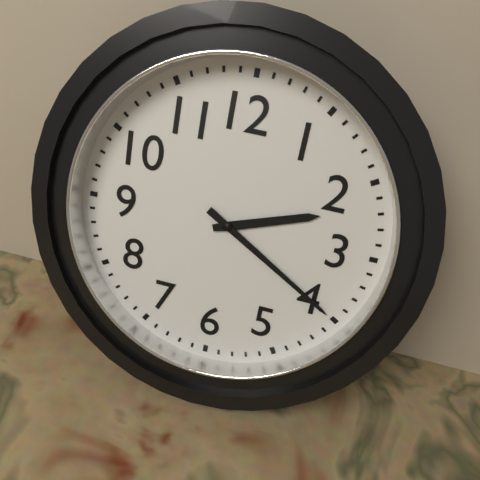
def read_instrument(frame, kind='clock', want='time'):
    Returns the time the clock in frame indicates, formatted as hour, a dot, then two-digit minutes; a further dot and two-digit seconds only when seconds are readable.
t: 2.20
